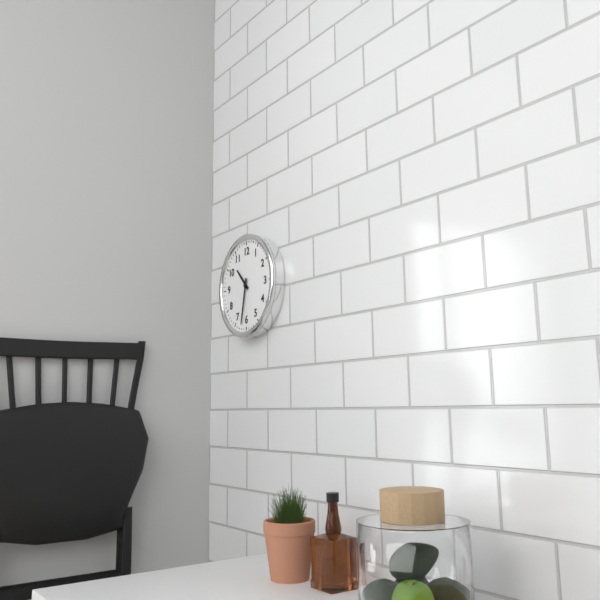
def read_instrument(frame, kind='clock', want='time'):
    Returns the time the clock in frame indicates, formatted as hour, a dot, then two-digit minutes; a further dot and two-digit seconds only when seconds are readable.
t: 10.32
